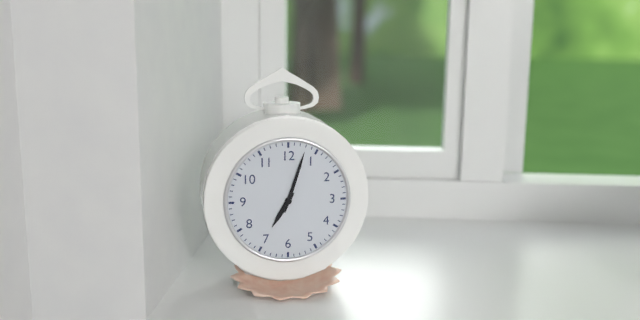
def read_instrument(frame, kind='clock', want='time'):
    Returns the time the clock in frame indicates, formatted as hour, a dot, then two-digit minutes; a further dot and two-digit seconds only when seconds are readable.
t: 7.03
